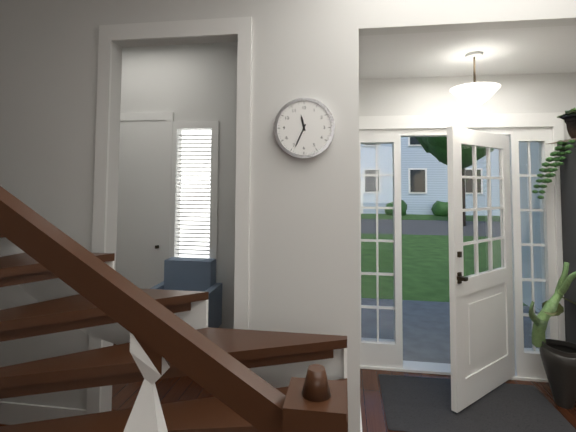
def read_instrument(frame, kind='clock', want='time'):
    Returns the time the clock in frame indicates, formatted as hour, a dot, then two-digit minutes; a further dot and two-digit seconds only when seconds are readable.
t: 11.34
